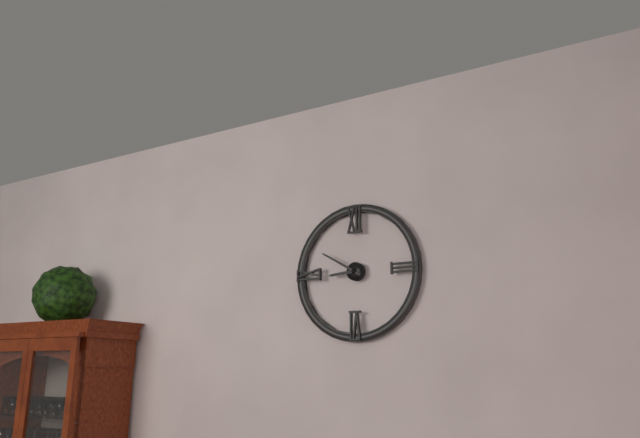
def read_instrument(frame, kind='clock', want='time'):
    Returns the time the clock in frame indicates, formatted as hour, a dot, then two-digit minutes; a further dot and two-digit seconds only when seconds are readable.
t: 8.50
